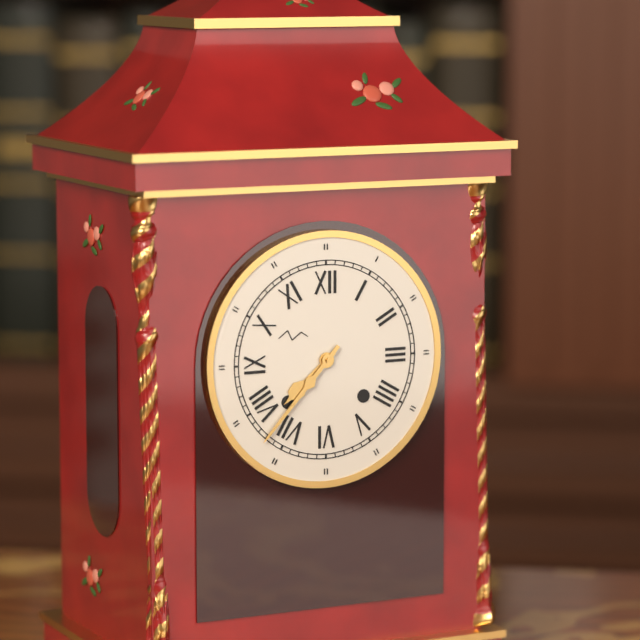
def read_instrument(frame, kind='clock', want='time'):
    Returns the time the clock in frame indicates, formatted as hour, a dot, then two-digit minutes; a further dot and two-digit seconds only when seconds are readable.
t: 7.37
